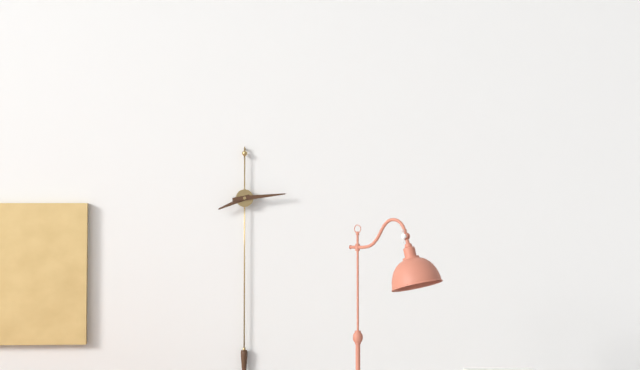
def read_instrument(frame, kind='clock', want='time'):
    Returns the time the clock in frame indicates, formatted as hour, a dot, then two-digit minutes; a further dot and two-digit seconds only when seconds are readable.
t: 8.14
